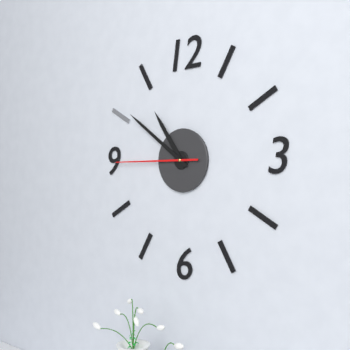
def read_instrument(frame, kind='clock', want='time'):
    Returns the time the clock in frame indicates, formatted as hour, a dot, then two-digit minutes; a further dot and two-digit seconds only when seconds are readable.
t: 10.51.45
